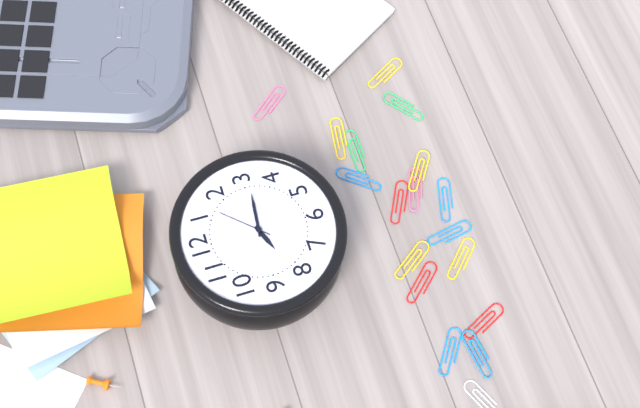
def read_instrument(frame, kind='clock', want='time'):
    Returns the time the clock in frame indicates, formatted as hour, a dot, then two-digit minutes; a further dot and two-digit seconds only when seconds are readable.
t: 8.16.07
